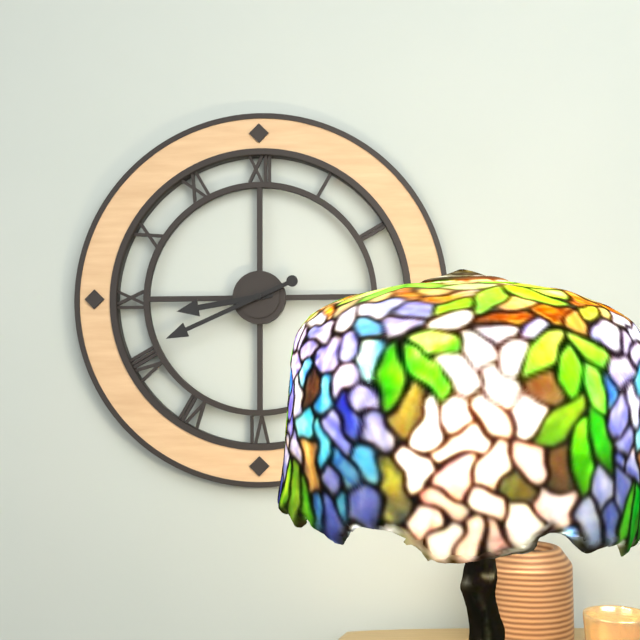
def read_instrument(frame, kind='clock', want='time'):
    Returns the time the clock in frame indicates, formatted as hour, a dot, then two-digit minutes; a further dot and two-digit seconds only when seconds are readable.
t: 8.41
